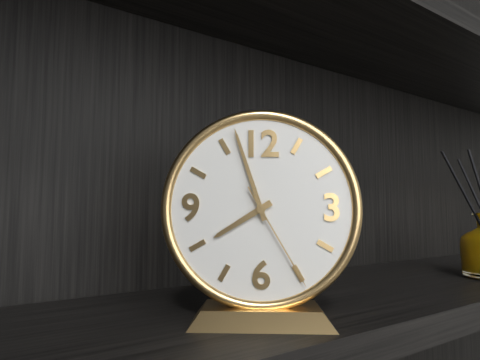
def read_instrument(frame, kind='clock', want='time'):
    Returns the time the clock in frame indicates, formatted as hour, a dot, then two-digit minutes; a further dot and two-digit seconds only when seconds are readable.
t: 7.57.25
